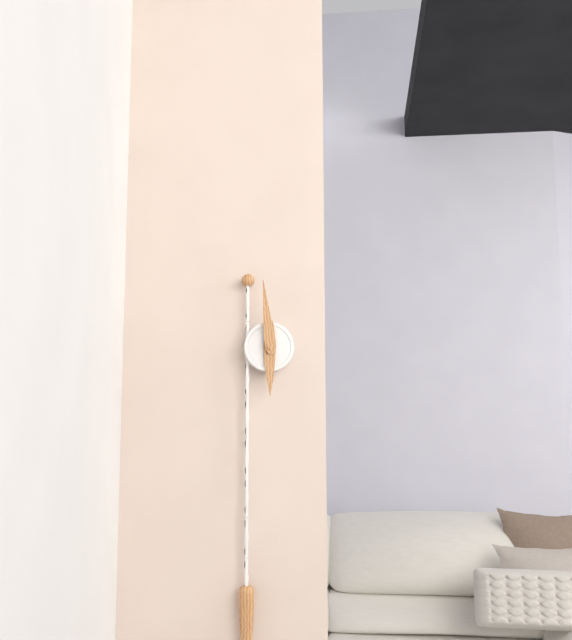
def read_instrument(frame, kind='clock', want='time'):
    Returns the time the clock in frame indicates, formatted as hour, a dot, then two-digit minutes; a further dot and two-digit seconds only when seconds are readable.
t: 5.59
